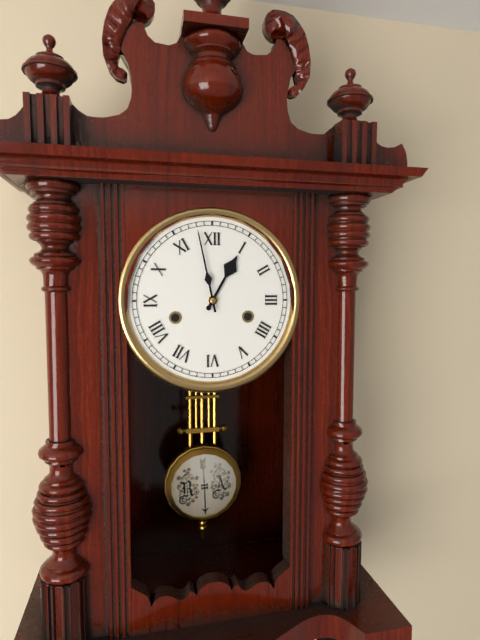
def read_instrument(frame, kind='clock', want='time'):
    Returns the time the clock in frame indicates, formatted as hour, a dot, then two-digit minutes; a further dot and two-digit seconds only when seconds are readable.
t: 12.58
